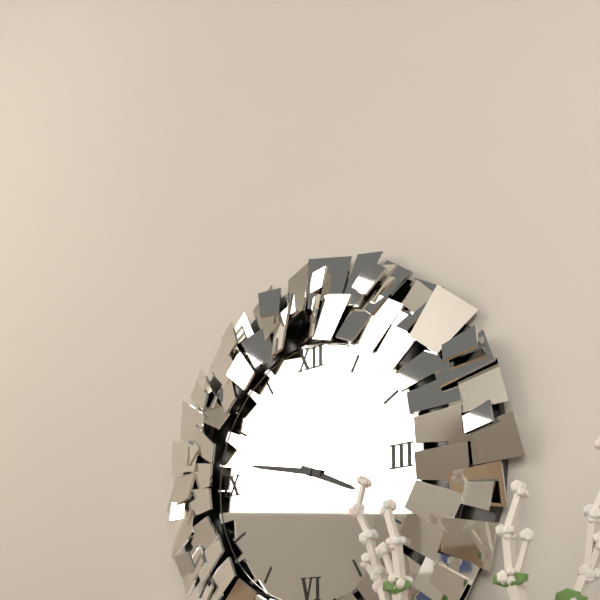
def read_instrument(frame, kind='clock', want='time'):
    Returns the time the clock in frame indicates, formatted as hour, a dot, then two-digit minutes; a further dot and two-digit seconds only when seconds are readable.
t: 3.47
